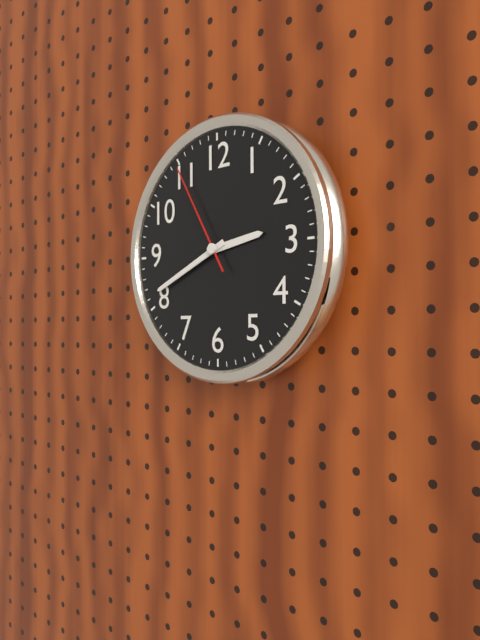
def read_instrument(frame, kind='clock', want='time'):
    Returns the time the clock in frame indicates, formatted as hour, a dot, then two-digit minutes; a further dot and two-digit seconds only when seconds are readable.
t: 2.41.55
